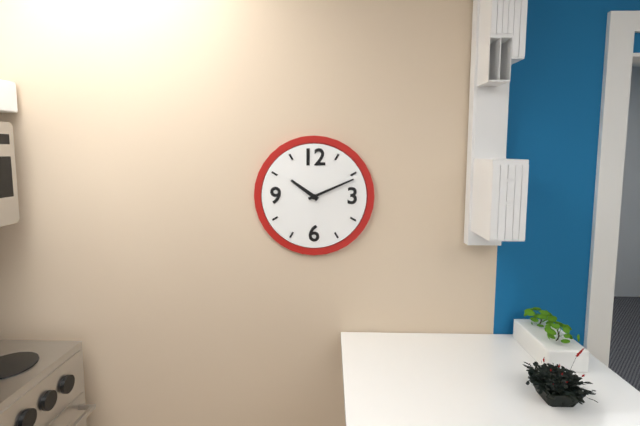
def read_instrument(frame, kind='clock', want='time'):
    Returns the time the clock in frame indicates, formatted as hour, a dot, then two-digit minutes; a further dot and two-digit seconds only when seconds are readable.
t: 10.11
